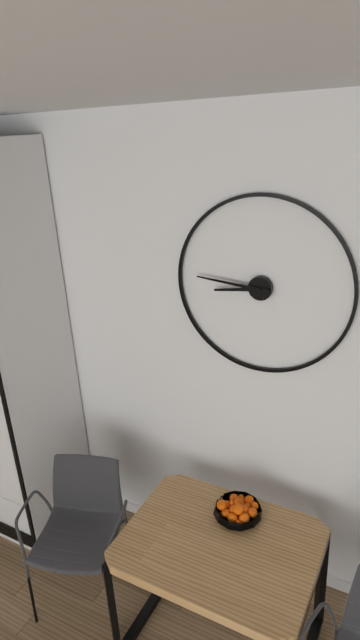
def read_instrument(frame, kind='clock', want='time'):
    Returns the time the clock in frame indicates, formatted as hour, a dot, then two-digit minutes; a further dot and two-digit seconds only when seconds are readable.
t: 8.46
